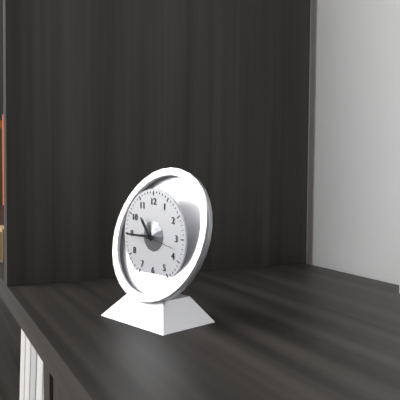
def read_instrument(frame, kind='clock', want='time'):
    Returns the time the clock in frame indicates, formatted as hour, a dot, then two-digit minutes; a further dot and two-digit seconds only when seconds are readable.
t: 10.45
